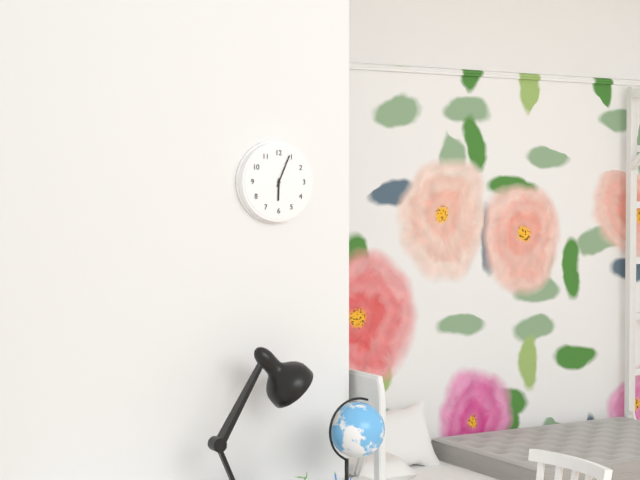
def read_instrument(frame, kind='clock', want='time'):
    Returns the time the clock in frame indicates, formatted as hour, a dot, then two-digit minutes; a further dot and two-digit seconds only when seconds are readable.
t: 6.04
